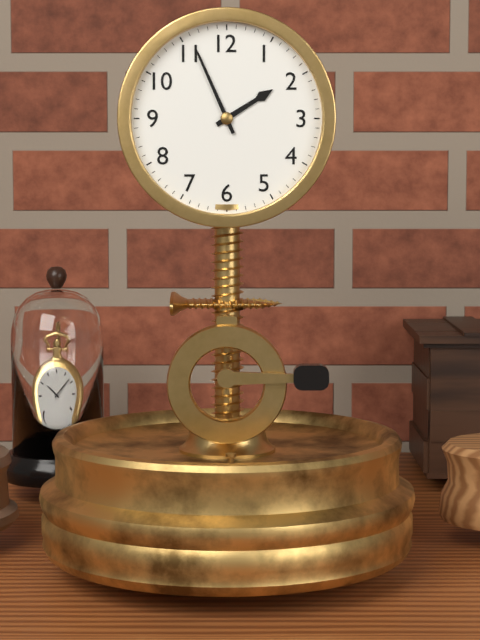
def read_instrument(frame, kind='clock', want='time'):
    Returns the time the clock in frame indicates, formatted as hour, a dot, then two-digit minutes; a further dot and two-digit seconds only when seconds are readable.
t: 1.56
